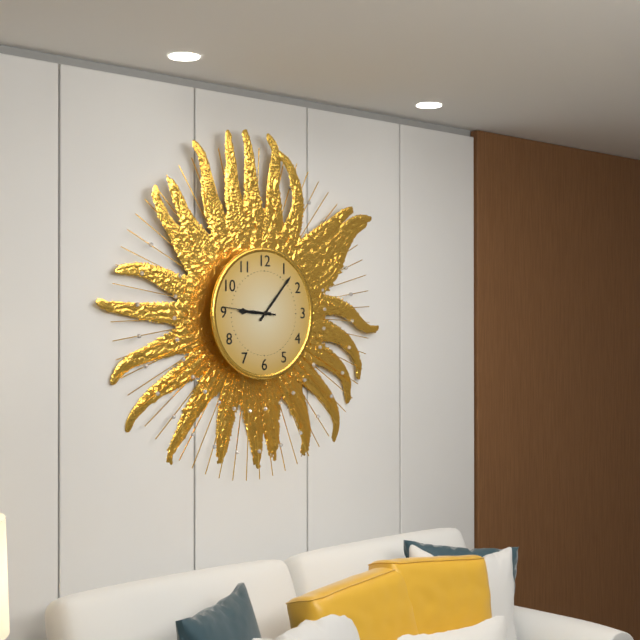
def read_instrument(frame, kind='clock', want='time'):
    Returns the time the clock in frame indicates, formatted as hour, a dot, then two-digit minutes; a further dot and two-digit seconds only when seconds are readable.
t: 9.07.46
